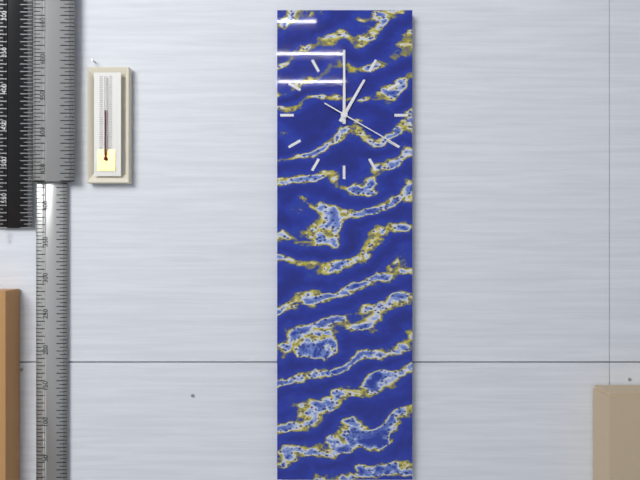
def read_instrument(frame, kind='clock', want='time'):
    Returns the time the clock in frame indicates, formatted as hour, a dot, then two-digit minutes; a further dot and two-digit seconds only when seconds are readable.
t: 1.00.20
